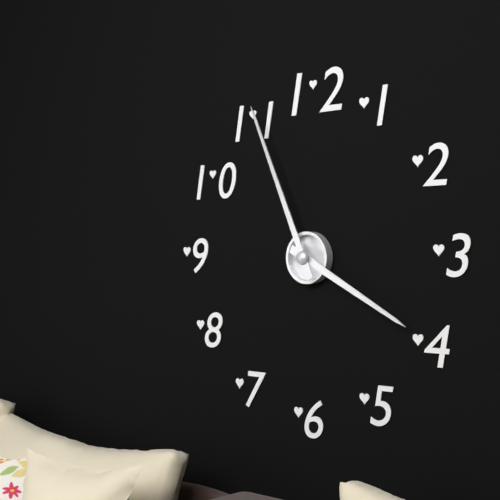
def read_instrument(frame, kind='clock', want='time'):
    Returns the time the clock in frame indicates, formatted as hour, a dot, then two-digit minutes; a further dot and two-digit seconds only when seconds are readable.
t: 3.56
